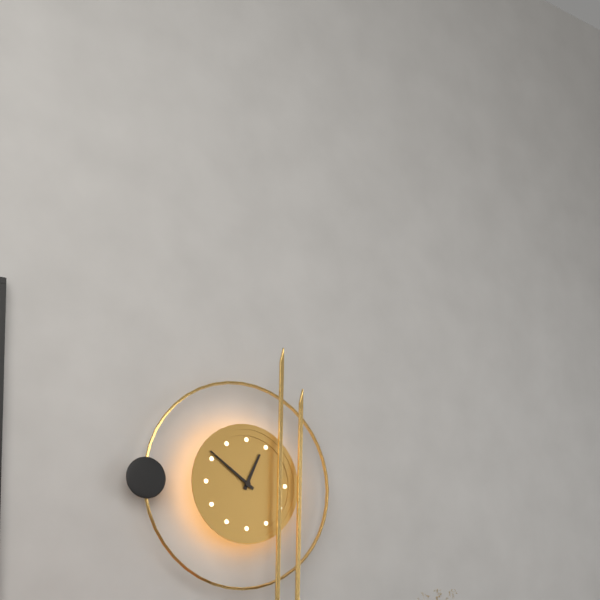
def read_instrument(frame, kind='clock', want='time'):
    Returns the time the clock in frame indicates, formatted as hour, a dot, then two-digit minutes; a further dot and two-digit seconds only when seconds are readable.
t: 12.51
